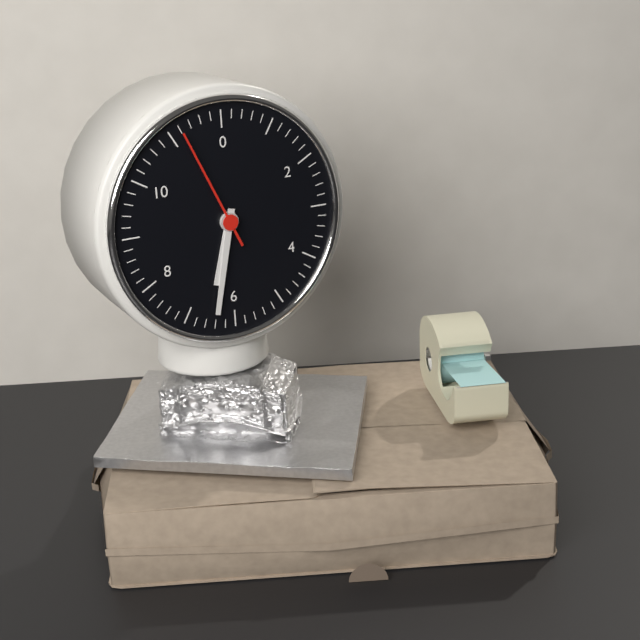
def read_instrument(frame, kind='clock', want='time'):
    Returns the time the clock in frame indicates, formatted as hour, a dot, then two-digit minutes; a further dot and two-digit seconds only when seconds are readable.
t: 6.32.56
